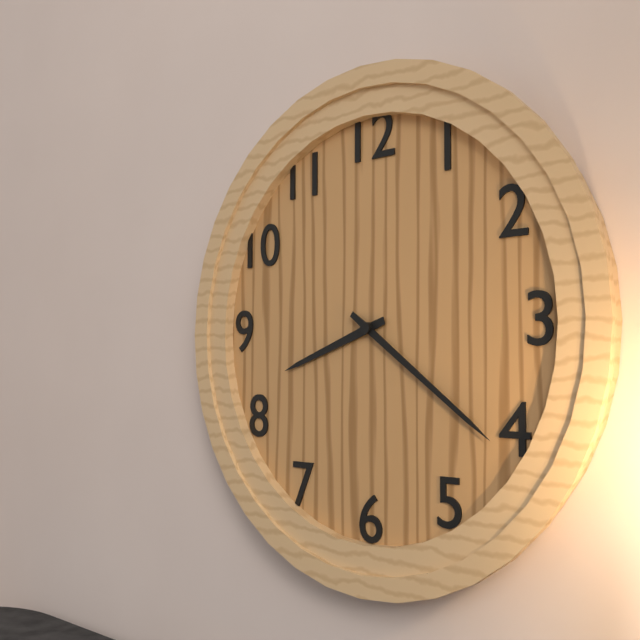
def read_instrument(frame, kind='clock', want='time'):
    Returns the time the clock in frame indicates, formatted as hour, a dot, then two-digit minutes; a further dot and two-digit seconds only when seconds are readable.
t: 8.21
